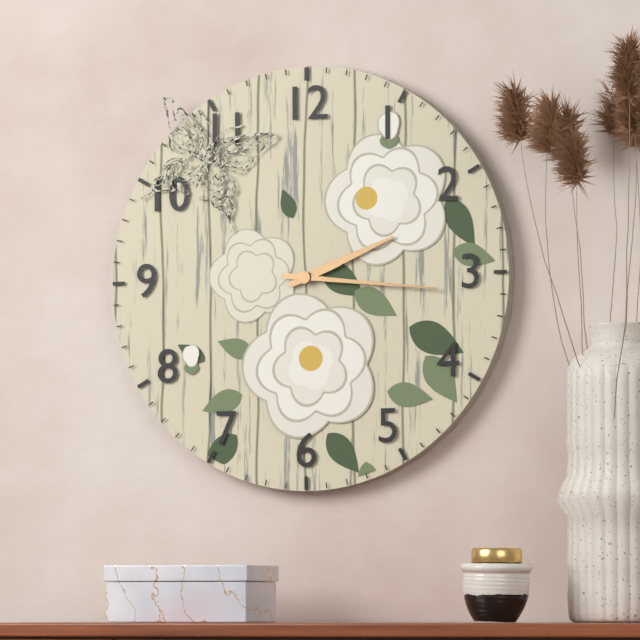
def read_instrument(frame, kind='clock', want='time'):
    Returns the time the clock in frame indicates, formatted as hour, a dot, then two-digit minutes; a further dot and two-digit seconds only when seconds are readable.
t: 2.16
